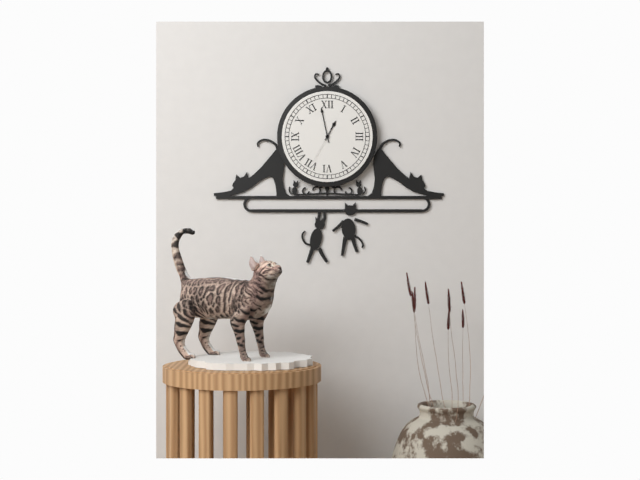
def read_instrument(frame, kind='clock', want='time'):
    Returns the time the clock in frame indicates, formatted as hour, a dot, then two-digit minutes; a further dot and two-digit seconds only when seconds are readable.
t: 12.58
